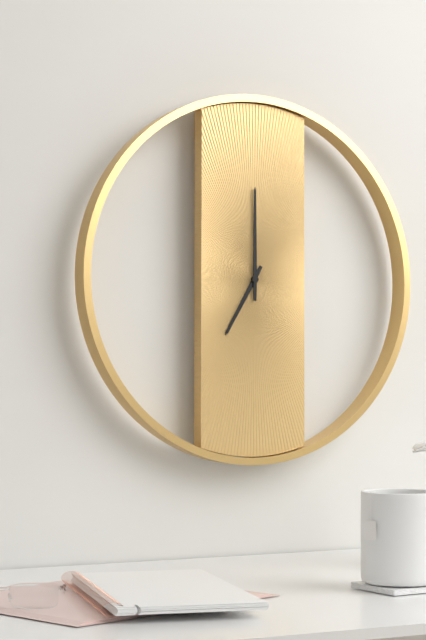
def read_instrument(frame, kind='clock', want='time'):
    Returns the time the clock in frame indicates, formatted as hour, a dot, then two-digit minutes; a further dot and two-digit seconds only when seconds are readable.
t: 7.00
